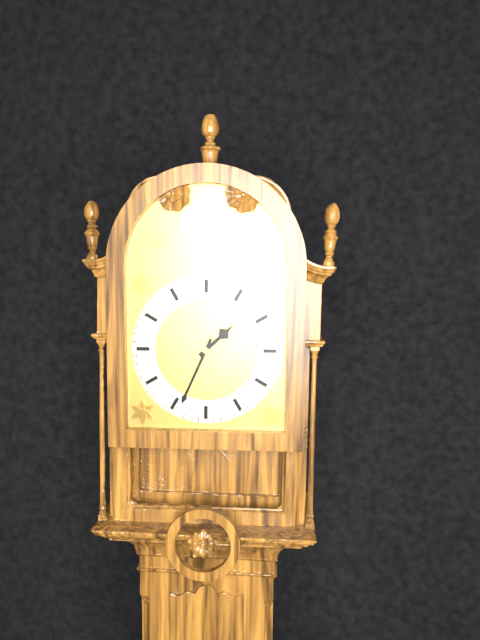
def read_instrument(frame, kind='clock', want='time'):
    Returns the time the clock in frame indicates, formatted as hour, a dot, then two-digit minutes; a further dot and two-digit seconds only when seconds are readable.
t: 1.34
